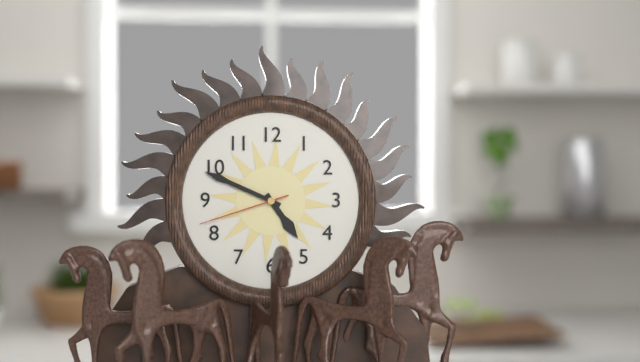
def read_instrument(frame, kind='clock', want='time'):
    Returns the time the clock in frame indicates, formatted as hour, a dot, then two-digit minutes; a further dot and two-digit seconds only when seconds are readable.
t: 4.49.42
